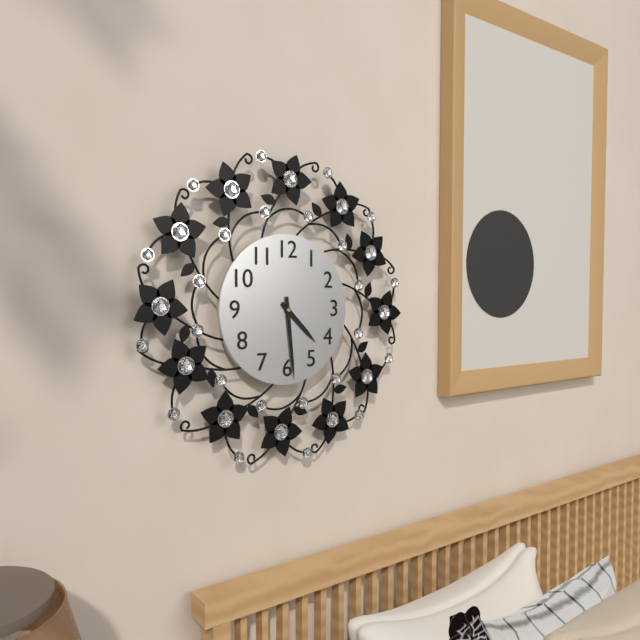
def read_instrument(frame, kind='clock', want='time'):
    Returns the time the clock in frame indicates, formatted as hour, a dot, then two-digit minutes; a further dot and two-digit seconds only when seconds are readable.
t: 4.29
